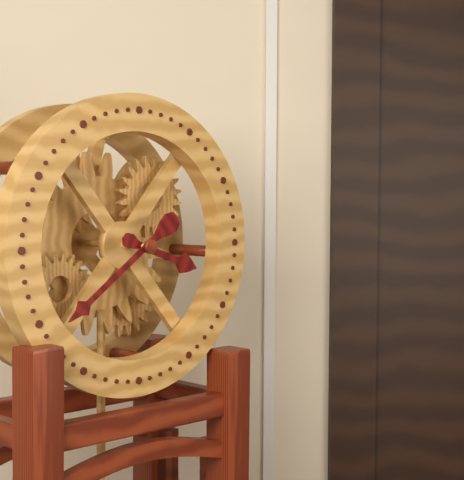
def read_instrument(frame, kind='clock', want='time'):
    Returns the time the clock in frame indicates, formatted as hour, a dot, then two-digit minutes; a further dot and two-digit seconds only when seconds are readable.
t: 3.39
